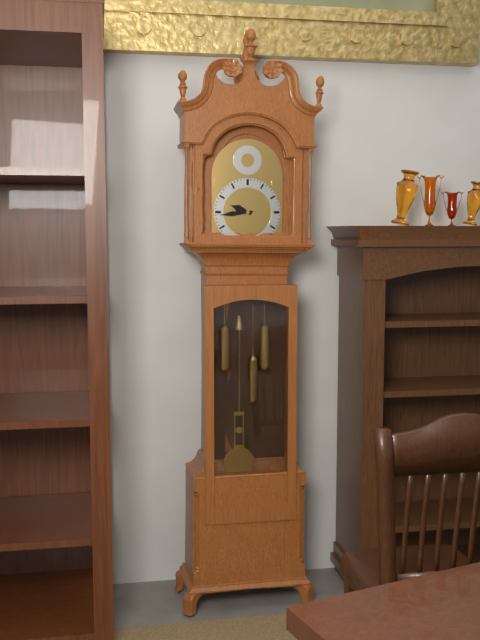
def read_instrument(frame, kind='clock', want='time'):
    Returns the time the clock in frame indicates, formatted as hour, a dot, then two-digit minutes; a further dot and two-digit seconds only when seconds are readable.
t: 9.44
